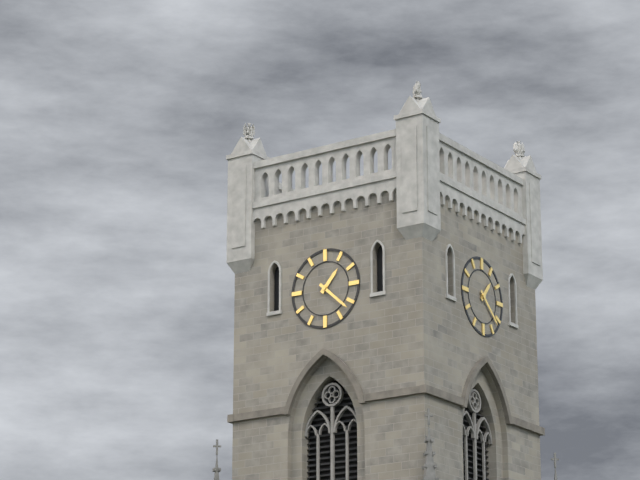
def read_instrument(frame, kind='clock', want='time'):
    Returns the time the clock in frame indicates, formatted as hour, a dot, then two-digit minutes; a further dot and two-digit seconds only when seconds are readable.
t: 1.22
